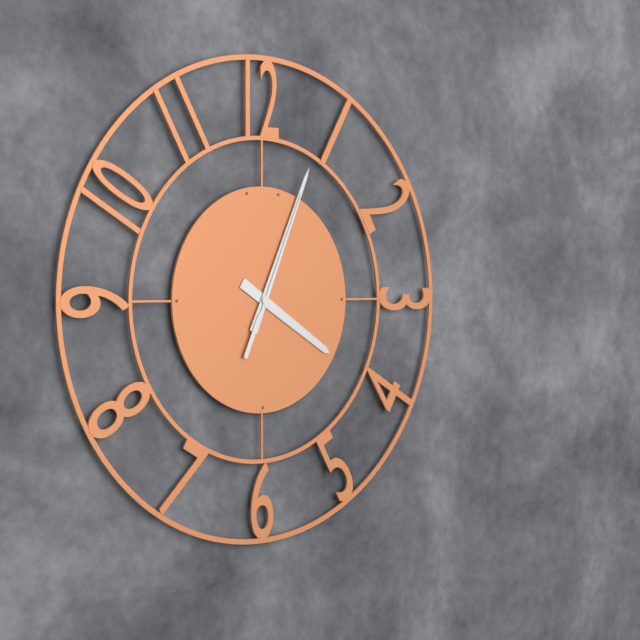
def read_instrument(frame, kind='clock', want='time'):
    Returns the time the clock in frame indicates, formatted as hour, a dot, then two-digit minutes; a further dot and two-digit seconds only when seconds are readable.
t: 4.04.04
